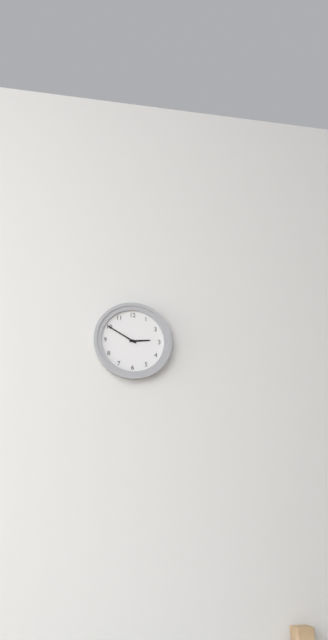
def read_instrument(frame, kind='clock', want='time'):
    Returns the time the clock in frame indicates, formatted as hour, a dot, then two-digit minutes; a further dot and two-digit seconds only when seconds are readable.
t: 2.50
